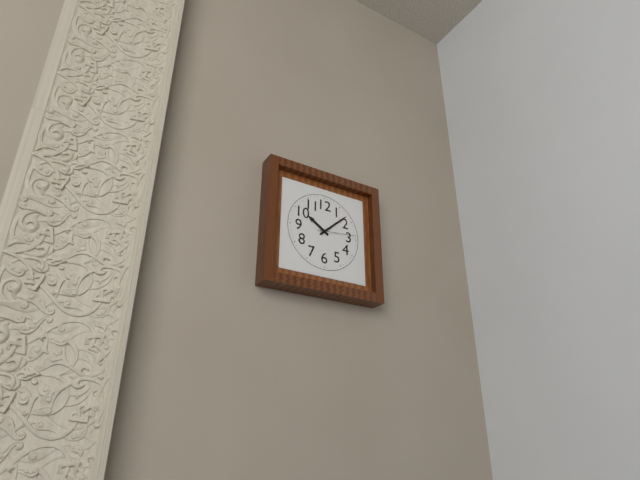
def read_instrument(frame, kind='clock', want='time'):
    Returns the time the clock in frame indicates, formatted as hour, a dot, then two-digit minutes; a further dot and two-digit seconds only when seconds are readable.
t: 10.08
